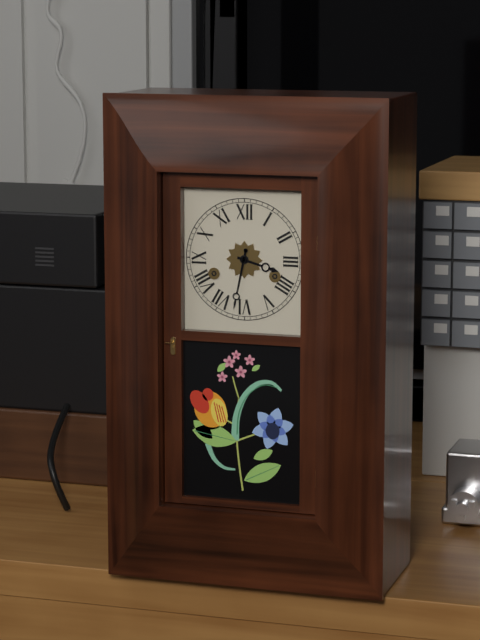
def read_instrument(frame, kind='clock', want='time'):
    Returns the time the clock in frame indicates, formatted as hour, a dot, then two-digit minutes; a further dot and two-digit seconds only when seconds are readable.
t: 3.32
